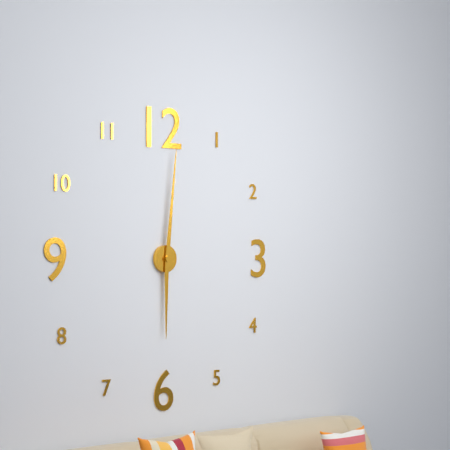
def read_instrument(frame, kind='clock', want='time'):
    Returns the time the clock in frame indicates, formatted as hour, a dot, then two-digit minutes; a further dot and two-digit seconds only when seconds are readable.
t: 6.01
